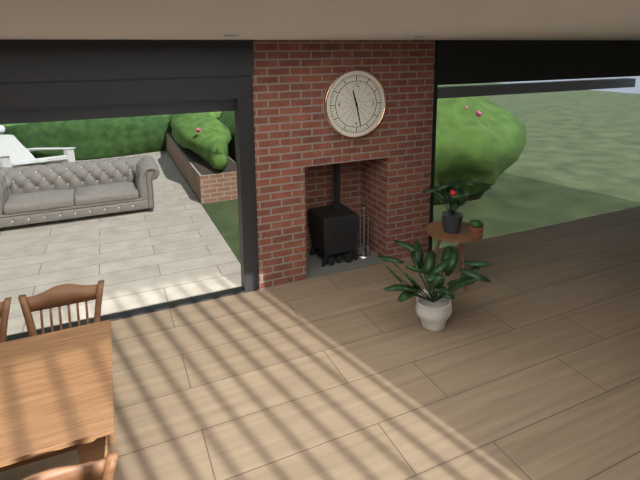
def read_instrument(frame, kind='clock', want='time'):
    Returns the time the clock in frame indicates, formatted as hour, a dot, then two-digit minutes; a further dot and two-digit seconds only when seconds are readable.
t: 11.28
